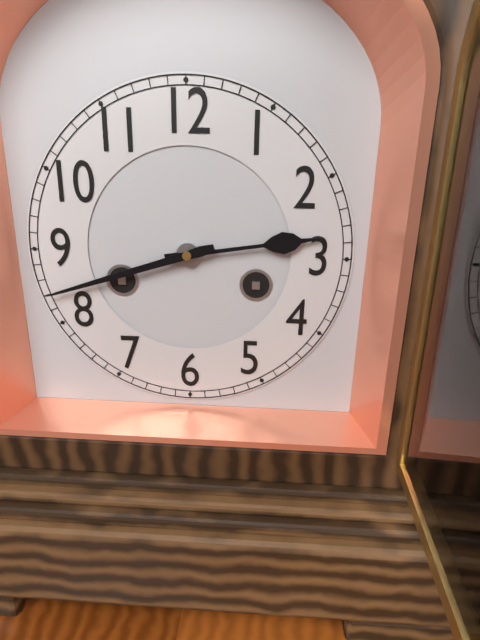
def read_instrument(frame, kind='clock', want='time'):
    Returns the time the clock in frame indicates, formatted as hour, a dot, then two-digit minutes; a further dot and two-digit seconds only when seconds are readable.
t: 2.42
